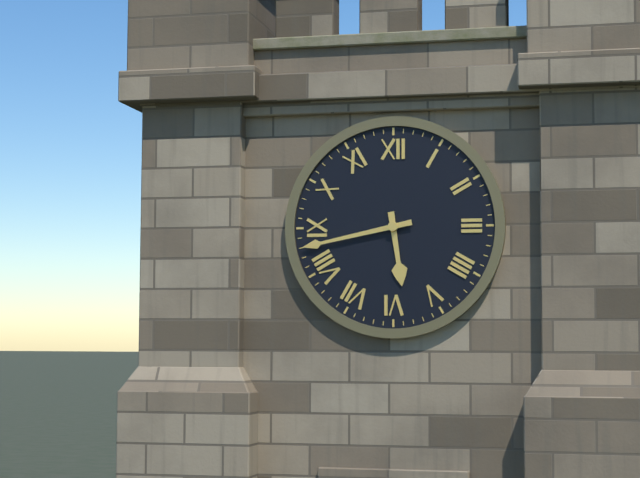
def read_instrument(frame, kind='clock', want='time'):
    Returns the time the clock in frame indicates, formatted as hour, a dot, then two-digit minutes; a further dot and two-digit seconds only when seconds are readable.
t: 5.43
